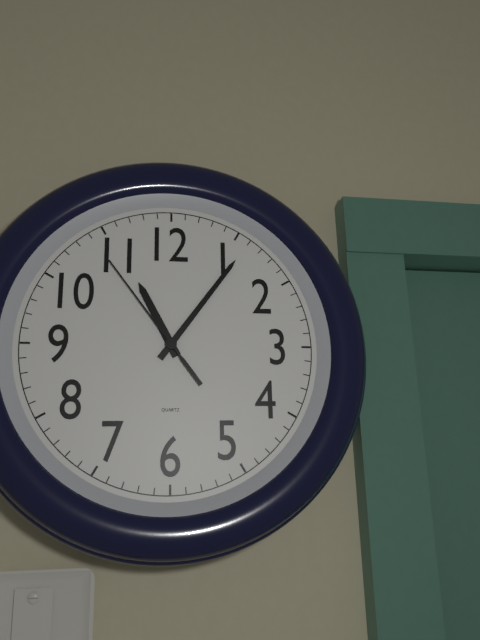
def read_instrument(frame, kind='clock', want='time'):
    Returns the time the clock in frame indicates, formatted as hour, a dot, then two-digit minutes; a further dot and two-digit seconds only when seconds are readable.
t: 11.06.54
